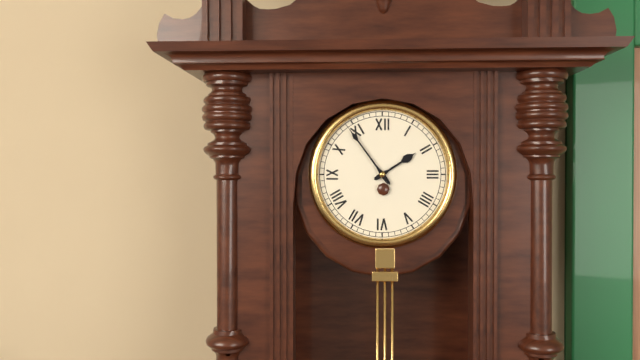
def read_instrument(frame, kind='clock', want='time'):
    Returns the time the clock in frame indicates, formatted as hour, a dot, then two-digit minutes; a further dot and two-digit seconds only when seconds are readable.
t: 1.54
